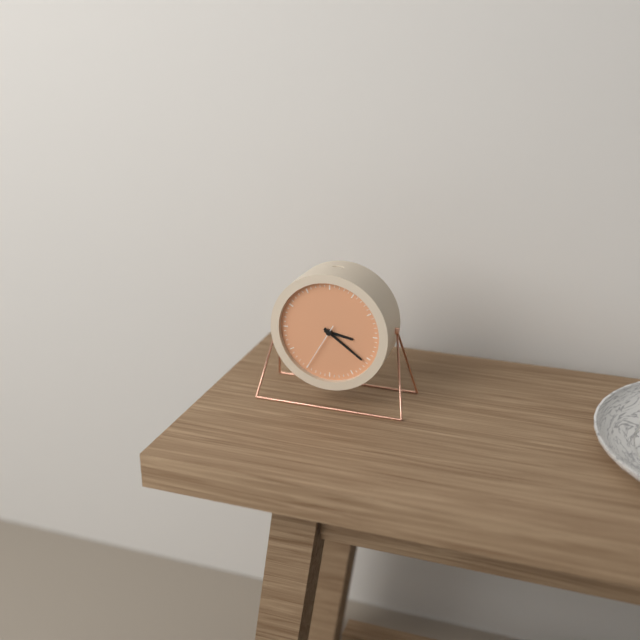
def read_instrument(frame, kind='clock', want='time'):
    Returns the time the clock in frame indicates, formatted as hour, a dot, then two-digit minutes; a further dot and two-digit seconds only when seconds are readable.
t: 3.21.35
